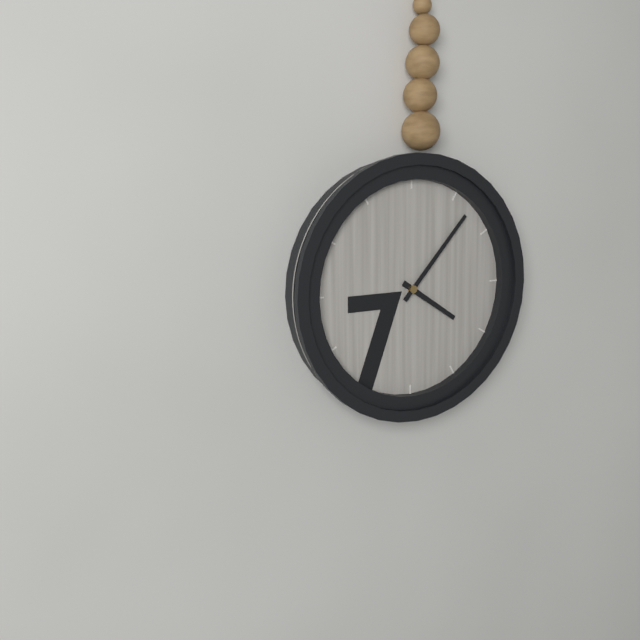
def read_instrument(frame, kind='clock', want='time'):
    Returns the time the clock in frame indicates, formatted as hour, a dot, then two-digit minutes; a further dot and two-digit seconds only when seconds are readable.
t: 4.07
